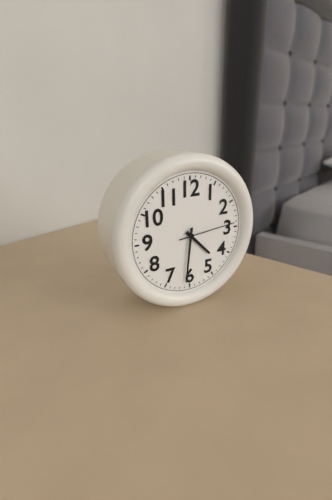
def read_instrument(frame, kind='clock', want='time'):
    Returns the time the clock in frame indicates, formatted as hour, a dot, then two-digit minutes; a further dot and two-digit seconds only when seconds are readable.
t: 4.31.14
